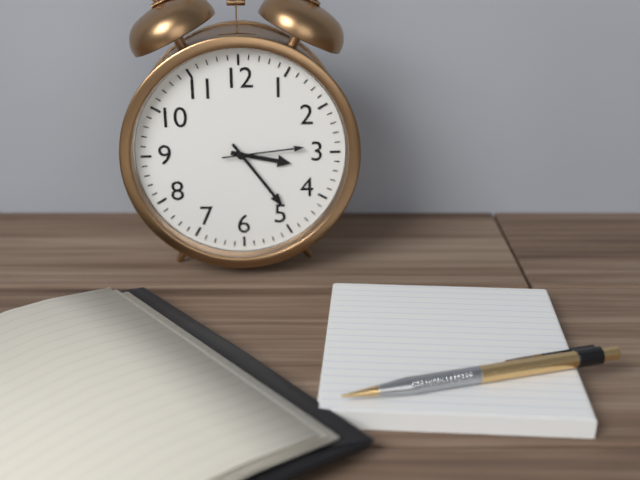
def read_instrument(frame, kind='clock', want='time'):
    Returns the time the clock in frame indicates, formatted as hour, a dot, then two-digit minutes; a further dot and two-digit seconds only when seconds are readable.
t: 3.24.14
